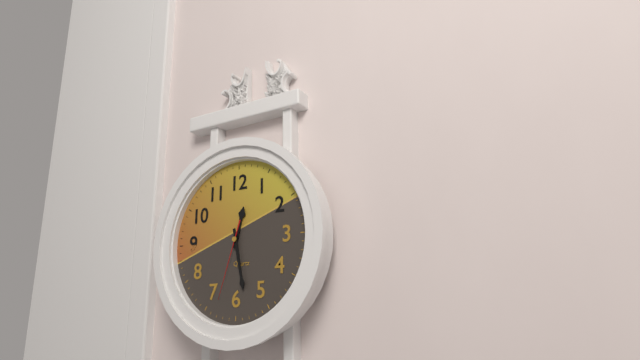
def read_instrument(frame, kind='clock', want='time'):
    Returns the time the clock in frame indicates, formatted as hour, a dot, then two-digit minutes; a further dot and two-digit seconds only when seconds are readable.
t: 12.28.33
